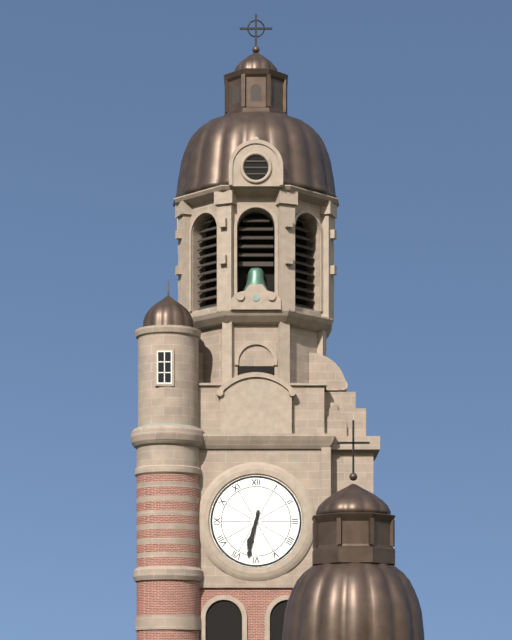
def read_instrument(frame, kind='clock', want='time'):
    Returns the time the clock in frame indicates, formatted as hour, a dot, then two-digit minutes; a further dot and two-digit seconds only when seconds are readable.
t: 6.32
